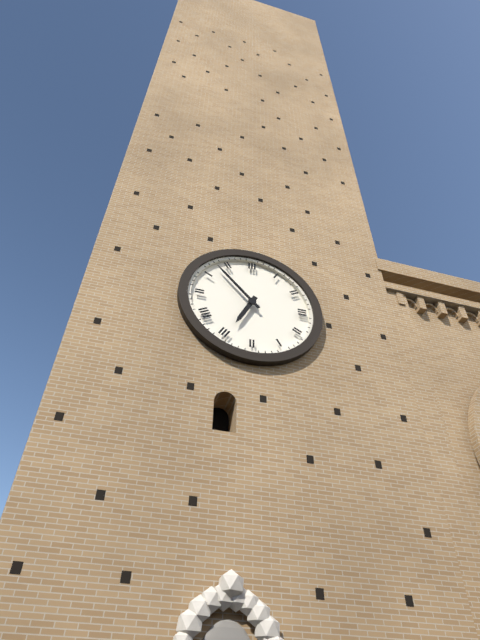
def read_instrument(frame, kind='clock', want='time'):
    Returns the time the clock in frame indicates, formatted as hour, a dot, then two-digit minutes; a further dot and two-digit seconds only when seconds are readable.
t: 6.53
